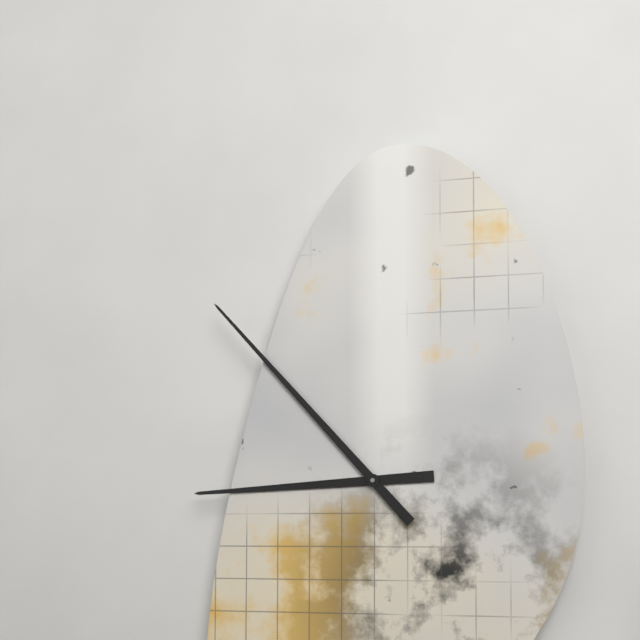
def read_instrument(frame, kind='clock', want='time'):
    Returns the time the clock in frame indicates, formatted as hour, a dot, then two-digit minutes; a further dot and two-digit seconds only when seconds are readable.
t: 8.53
